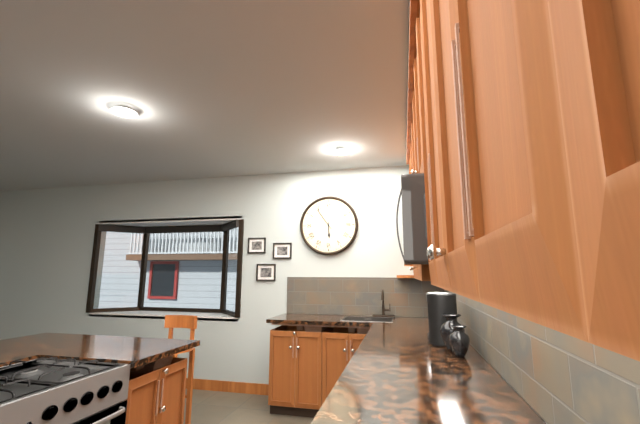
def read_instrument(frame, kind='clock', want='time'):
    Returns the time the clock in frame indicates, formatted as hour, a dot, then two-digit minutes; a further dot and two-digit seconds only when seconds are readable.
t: 5.54
